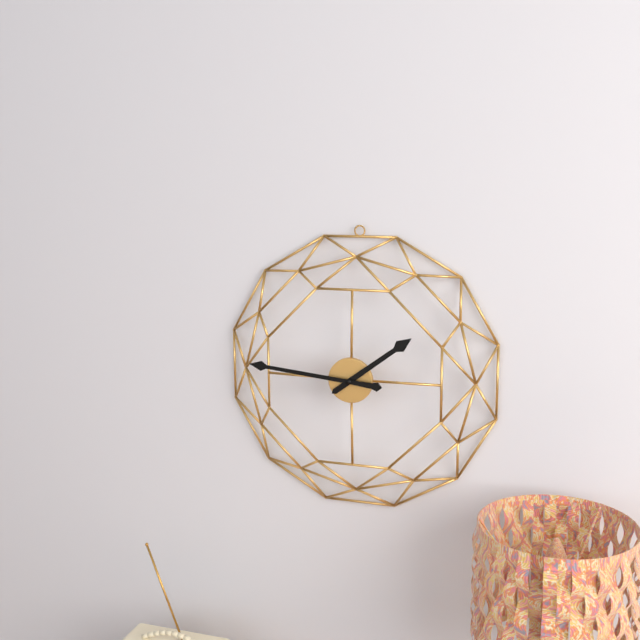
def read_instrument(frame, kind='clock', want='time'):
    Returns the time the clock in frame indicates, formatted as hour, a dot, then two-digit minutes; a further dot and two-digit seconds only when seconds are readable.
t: 1.46
